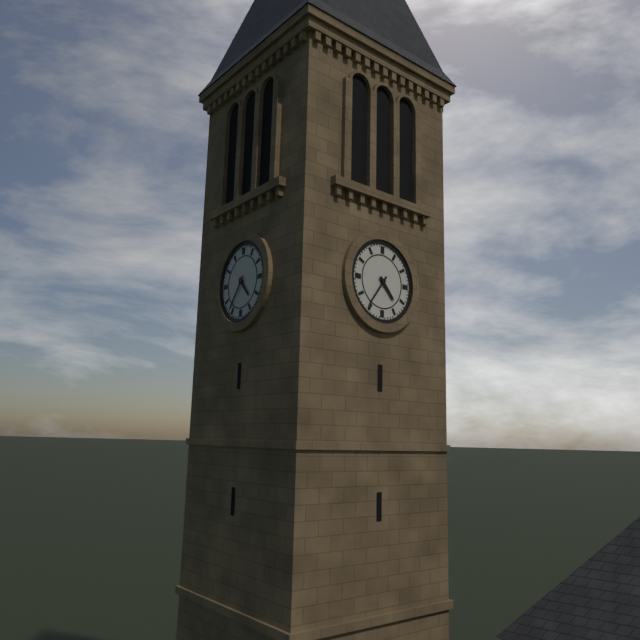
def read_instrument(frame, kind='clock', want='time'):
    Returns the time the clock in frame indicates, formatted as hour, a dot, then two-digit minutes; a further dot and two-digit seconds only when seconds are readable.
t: 4.36
